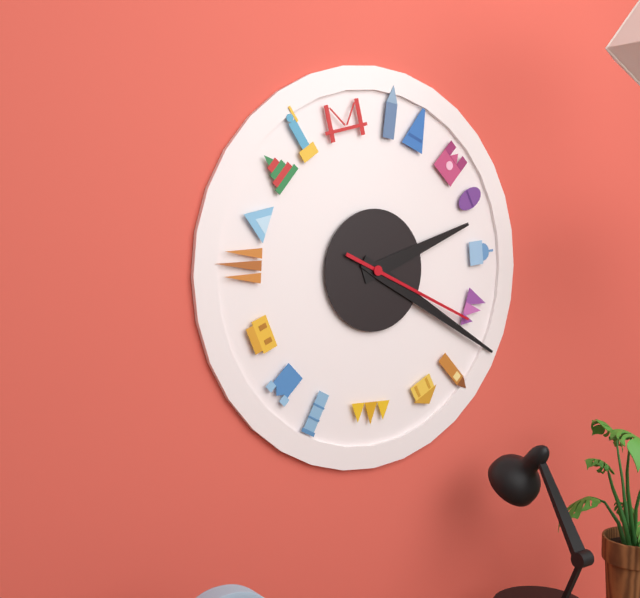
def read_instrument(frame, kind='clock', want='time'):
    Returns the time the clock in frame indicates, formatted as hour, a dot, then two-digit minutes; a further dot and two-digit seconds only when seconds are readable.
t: 2.20.19
